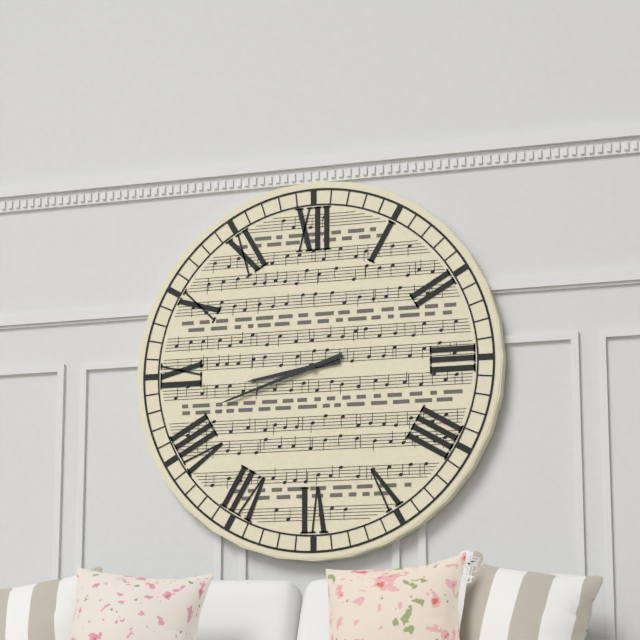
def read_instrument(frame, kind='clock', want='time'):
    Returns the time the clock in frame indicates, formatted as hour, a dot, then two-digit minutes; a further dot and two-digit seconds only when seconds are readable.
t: 8.42
